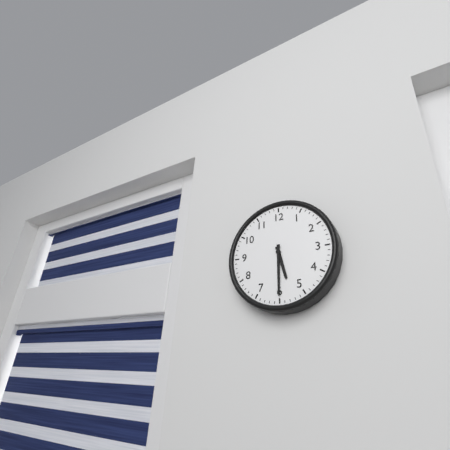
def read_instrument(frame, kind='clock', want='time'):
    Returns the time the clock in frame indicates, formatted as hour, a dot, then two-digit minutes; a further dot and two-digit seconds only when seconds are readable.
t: 5.30
